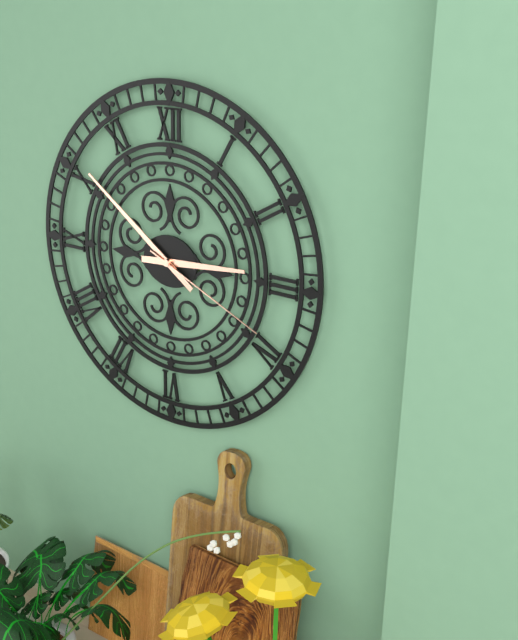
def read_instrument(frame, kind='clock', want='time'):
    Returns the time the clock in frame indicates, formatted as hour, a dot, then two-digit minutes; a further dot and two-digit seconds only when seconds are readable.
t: 2.51.19
